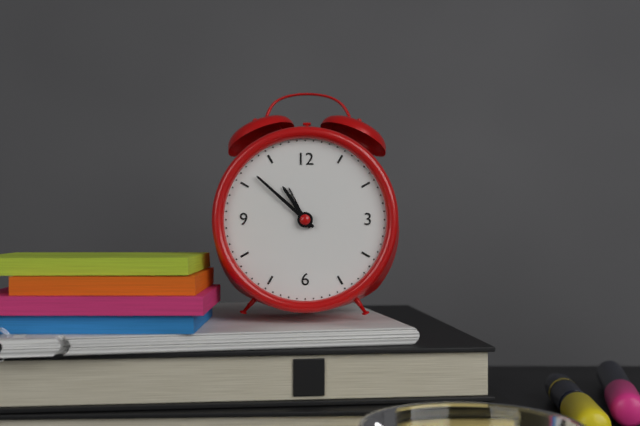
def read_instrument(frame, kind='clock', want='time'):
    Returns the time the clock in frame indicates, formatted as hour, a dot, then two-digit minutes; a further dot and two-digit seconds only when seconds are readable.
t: 10.52
